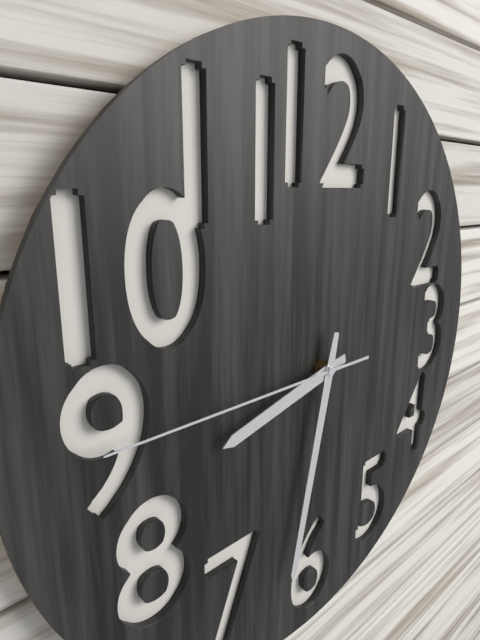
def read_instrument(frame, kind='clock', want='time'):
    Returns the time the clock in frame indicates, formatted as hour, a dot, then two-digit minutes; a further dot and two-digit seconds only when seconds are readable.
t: 8.32.45
